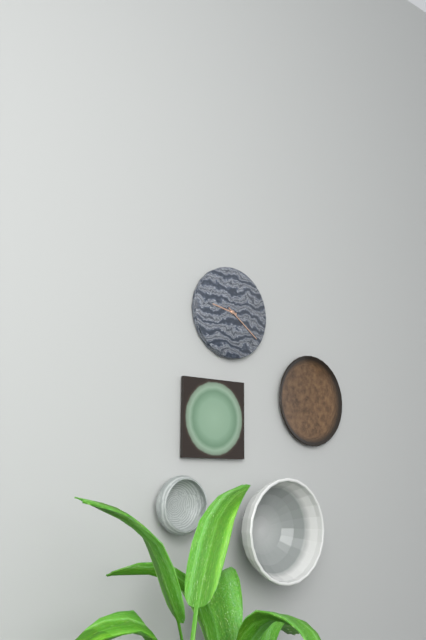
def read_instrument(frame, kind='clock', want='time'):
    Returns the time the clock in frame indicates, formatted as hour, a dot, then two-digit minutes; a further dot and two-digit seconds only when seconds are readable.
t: 9.21
